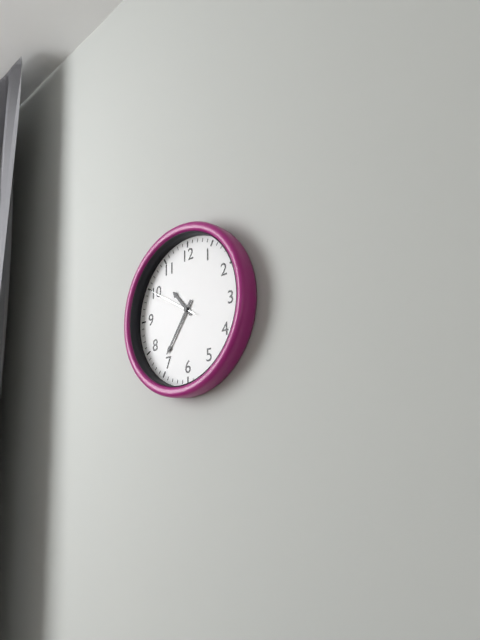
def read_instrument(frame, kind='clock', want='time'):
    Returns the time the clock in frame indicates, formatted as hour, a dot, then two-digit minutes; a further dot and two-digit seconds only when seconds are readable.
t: 10.36.50
